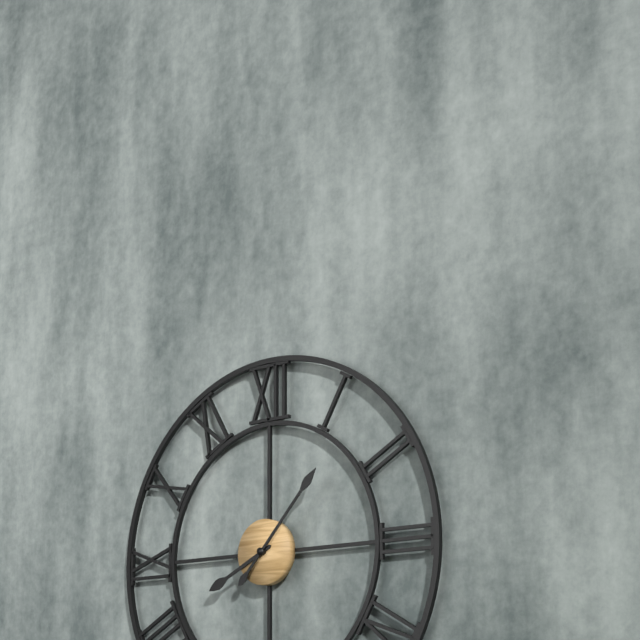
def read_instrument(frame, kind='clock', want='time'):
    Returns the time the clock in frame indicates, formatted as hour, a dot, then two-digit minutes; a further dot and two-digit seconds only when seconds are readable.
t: 8.07
